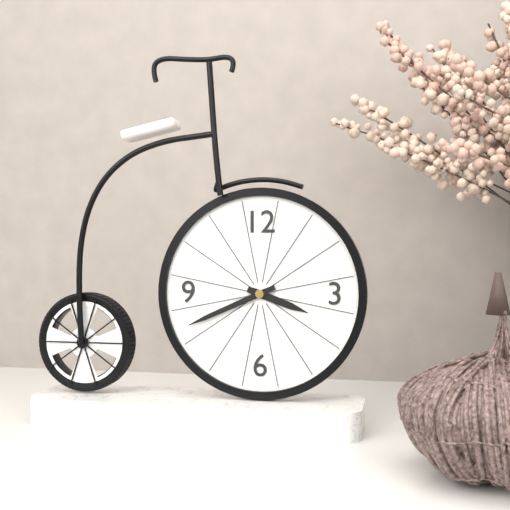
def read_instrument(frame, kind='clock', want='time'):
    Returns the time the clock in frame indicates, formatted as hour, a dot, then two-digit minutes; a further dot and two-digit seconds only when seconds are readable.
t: 3.41
